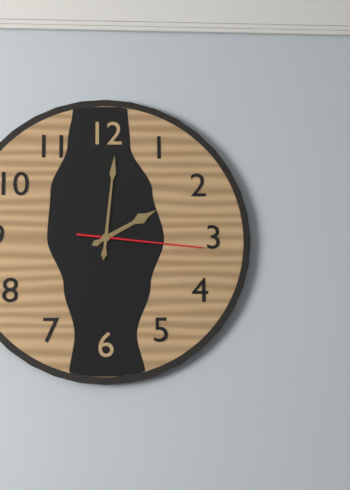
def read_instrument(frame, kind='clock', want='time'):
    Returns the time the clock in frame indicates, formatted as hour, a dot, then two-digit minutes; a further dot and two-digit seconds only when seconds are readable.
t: 2.01.16
